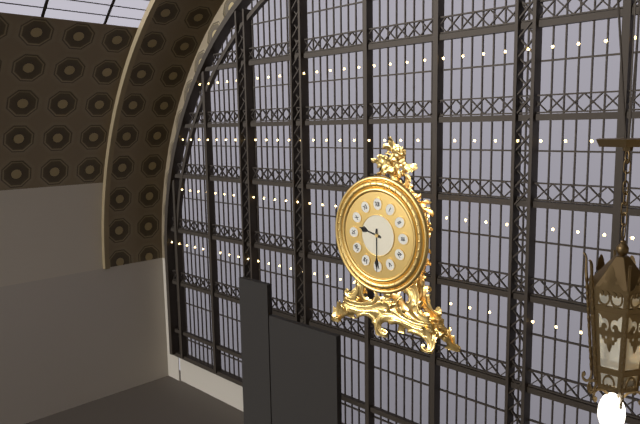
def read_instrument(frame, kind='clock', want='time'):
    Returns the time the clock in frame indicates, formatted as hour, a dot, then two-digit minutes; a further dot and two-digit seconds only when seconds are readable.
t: 9.30
